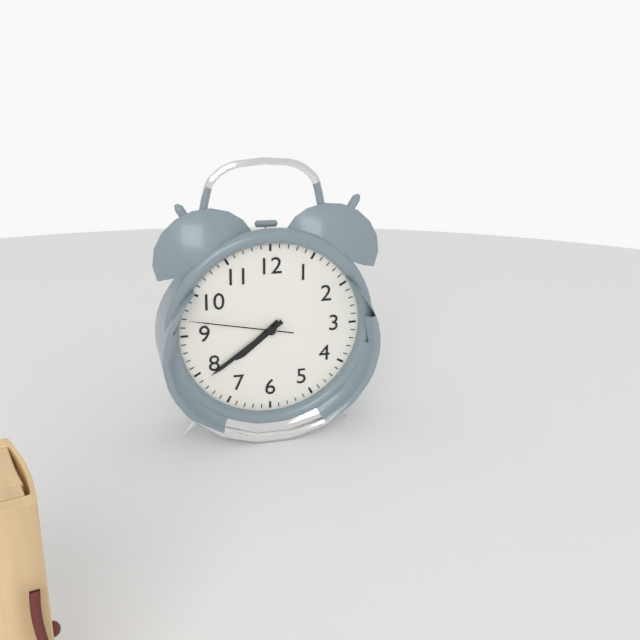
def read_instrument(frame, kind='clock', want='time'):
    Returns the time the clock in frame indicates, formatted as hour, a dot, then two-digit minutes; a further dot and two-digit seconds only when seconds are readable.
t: 7.39.47
